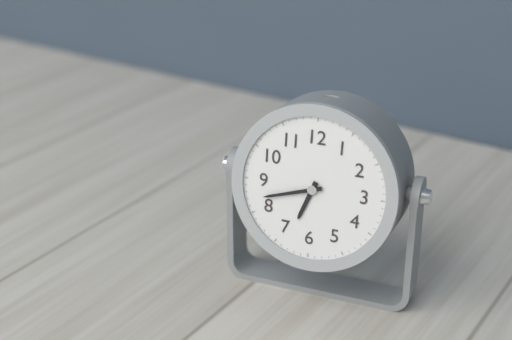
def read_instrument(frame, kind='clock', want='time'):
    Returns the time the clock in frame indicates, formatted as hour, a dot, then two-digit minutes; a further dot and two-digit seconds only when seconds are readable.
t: 6.42
